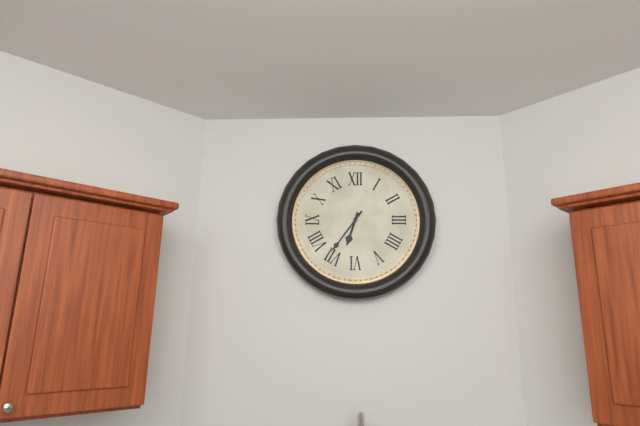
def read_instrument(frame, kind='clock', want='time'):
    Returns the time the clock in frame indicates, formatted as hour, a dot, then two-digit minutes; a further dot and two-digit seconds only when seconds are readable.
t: 6.36
